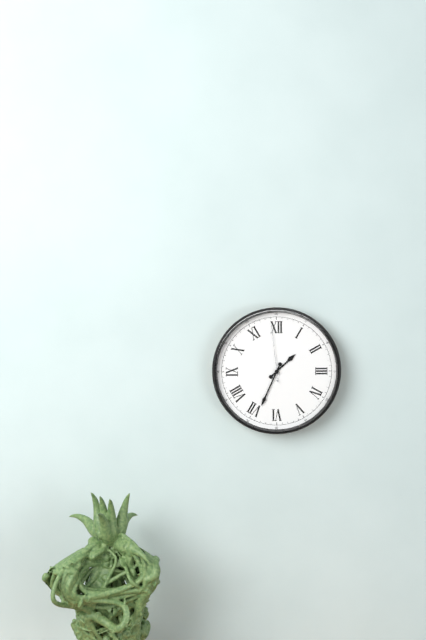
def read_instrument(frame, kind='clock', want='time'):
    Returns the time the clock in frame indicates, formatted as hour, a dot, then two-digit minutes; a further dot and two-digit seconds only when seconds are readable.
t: 1.34.59
